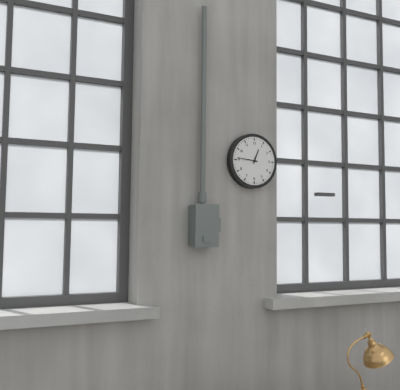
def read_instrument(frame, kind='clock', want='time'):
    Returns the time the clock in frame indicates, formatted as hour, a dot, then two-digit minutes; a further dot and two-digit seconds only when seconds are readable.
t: 12.46
